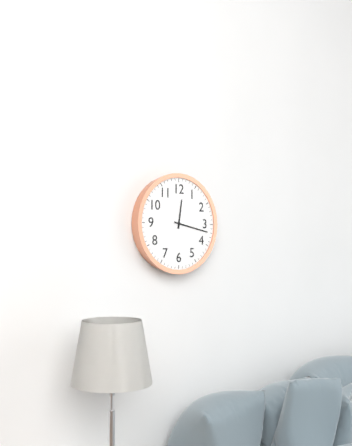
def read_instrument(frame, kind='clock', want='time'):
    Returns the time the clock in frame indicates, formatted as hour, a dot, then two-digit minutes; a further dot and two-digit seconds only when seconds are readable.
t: 12.17
